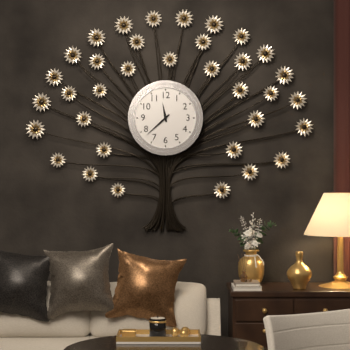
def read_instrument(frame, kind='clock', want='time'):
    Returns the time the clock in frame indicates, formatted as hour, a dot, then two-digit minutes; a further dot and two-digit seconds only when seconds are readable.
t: 11.38
